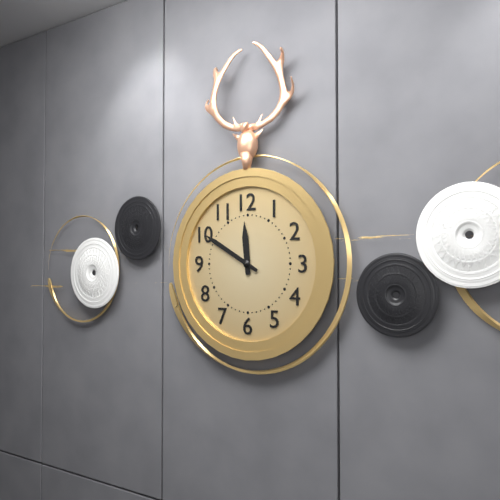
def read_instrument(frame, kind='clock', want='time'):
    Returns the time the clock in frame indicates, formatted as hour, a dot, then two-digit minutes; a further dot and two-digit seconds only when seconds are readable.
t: 11.50
